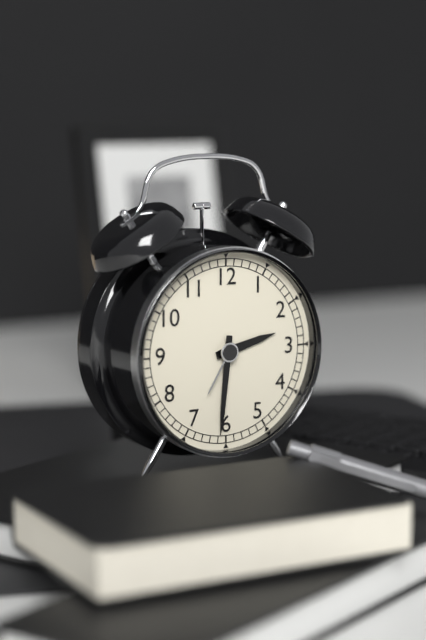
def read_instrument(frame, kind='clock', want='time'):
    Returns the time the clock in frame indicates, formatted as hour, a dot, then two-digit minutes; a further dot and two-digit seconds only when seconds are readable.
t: 2.31
